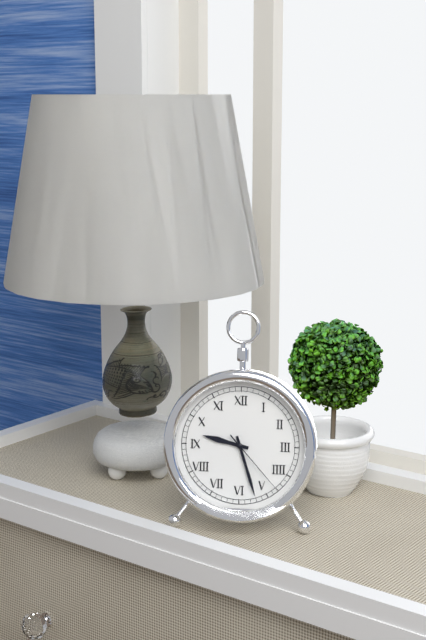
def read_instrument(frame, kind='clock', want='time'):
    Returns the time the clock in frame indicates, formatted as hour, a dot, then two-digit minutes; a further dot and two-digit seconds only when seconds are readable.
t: 9.27.23
